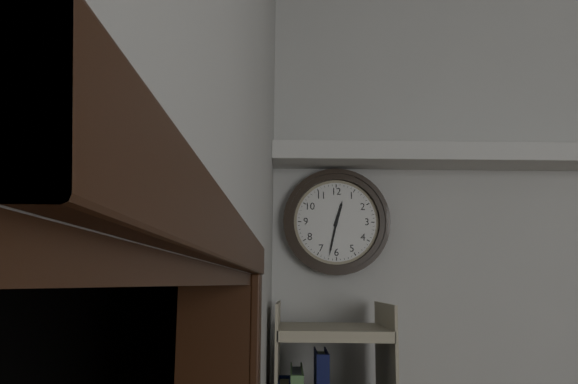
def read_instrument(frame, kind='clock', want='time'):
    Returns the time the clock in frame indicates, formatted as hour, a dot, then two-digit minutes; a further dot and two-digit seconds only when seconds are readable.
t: 12.32
